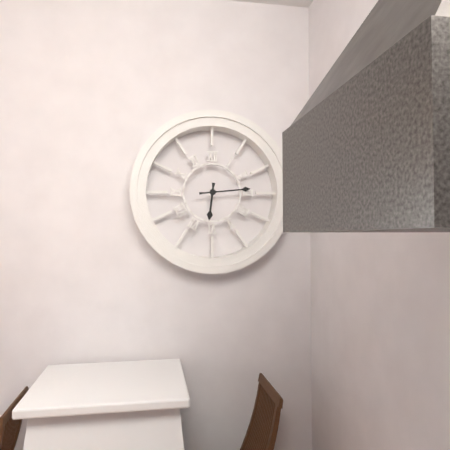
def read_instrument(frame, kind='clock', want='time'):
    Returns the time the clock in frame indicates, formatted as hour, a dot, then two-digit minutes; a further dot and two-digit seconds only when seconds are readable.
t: 6.14
